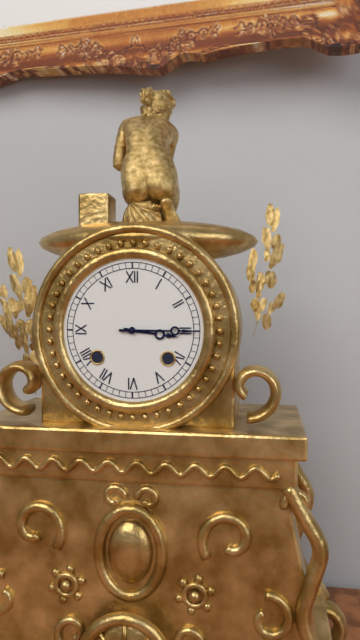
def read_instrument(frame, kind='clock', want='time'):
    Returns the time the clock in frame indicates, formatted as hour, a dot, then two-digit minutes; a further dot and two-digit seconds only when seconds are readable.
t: 3.15
